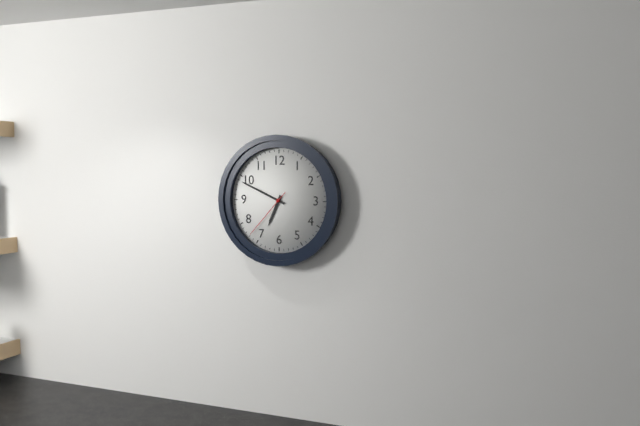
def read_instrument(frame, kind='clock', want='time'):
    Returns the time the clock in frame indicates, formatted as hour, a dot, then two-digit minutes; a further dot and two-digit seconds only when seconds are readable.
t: 6.49.37
